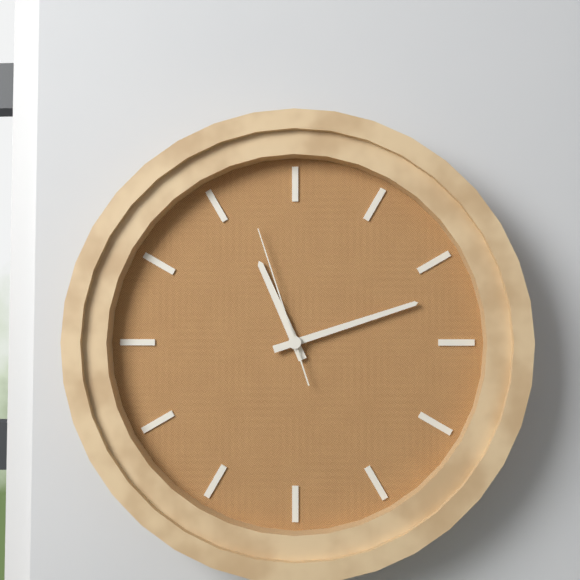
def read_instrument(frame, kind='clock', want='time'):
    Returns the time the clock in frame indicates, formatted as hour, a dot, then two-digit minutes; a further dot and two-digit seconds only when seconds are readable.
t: 11.12.57
